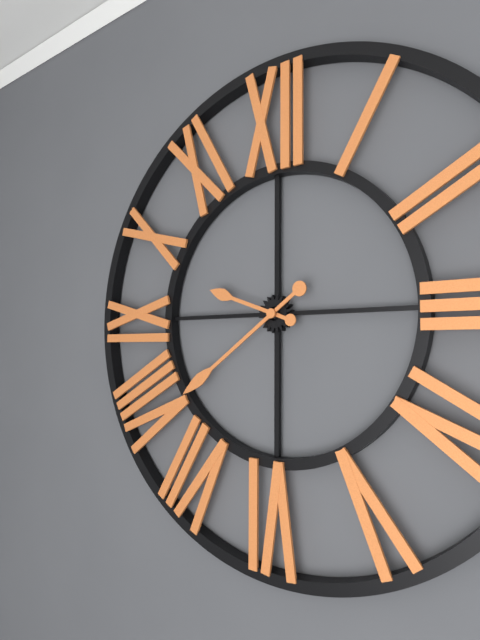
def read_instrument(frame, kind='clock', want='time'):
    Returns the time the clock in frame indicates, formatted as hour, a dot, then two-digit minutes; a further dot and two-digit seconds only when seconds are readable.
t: 9.39
